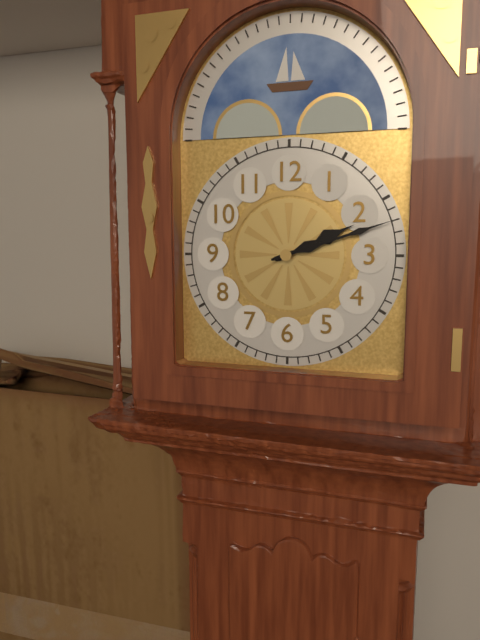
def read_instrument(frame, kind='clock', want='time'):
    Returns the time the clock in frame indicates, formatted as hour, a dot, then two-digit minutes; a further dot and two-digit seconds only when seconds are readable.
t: 2.12
